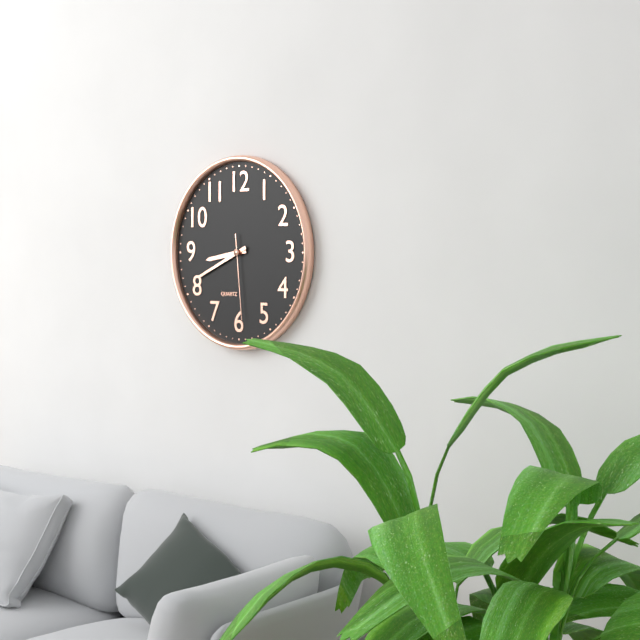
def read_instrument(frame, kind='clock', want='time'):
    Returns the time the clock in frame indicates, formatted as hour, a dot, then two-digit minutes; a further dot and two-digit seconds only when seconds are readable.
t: 8.41.29
